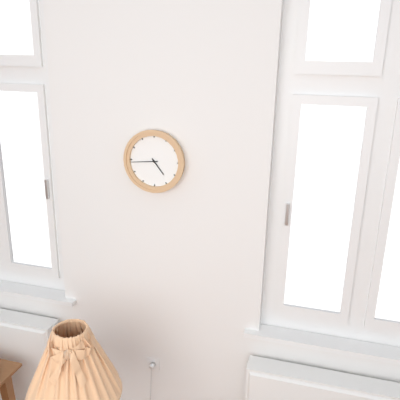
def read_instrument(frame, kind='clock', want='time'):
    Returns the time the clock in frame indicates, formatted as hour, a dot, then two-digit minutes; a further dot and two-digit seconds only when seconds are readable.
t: 4.44
